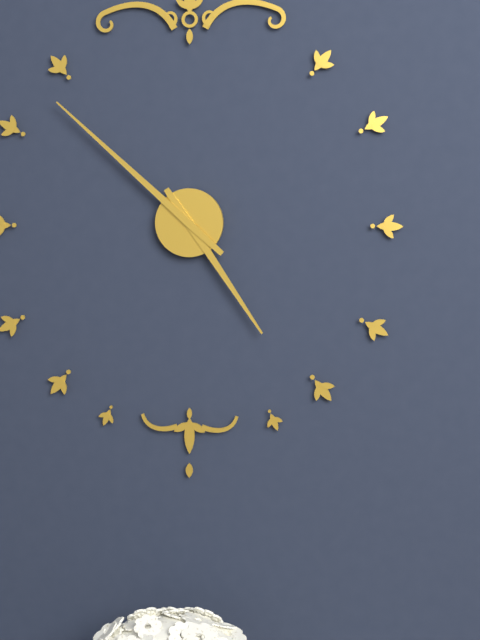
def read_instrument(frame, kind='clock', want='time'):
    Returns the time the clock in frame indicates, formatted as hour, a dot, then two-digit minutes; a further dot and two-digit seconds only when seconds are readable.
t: 4.52
